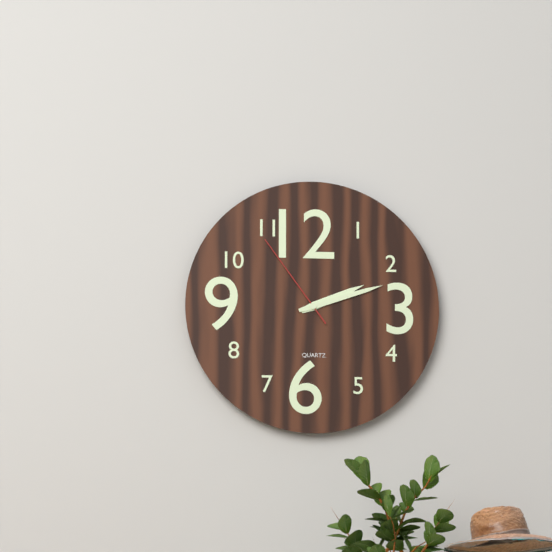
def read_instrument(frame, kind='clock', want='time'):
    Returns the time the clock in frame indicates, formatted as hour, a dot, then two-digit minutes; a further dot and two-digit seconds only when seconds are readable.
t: 2.12.54
